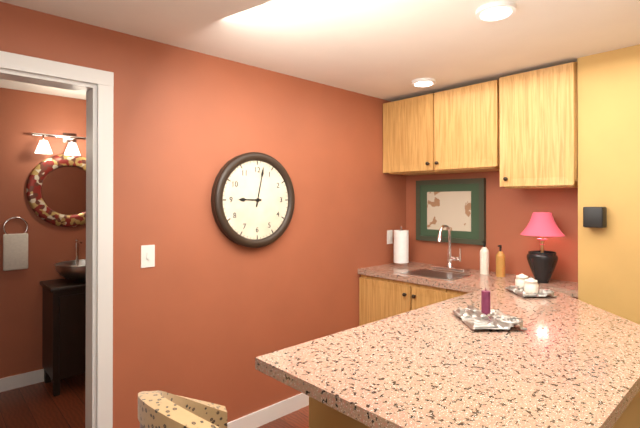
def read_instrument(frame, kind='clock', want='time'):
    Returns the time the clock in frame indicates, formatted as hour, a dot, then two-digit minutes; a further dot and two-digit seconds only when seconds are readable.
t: 9.02
